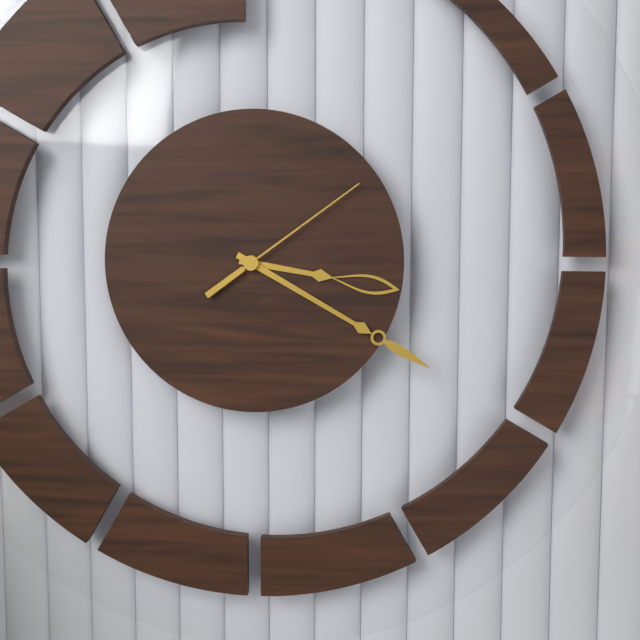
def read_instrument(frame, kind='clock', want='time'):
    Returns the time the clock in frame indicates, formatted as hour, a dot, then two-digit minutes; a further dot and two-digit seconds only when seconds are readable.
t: 3.20.09
